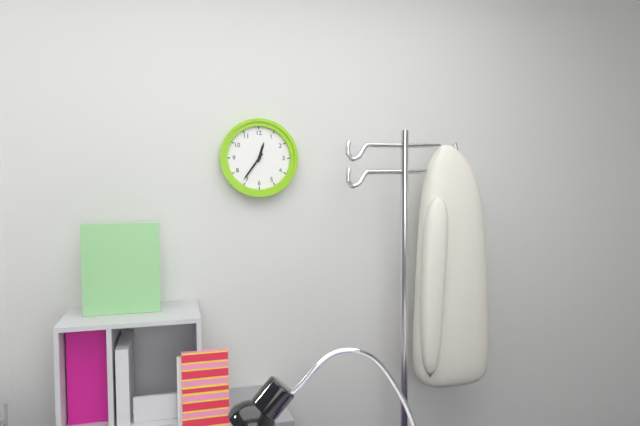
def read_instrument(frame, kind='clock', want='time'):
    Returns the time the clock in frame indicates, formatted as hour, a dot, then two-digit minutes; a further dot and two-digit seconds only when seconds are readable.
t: 12.36
